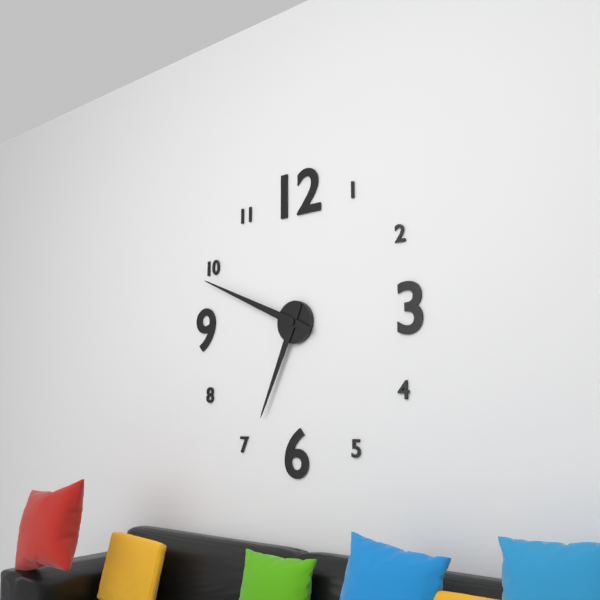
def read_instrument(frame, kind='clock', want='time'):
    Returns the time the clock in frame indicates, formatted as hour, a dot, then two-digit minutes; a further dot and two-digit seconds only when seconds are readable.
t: 6.49
